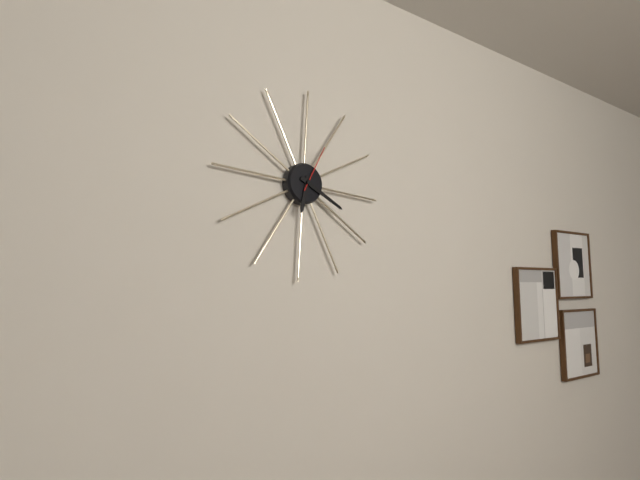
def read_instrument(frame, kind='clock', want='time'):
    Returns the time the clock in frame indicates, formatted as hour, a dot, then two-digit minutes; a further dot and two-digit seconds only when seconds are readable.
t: 6.19.04
